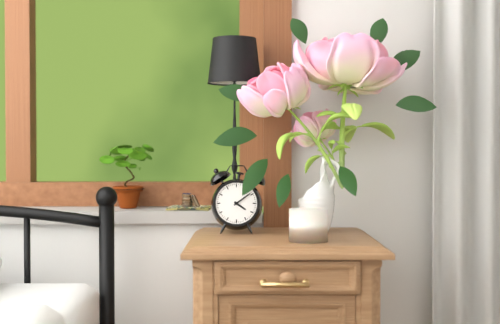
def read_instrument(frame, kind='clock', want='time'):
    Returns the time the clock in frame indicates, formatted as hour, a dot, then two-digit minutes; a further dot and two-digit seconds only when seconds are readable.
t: 4.09
